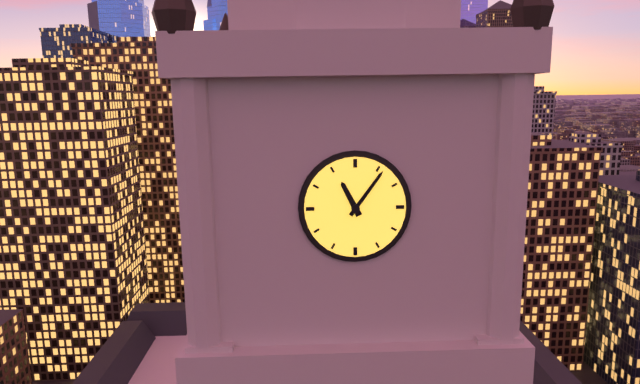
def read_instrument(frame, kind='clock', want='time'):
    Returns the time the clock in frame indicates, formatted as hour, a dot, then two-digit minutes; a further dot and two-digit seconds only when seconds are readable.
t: 11.06
